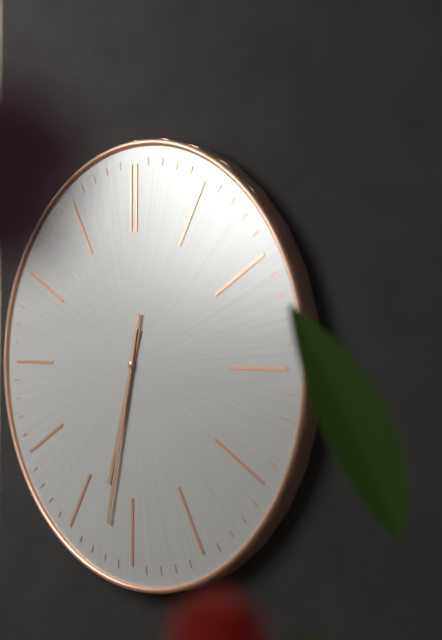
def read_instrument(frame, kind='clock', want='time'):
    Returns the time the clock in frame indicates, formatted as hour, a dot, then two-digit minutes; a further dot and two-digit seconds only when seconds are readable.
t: 6.32
